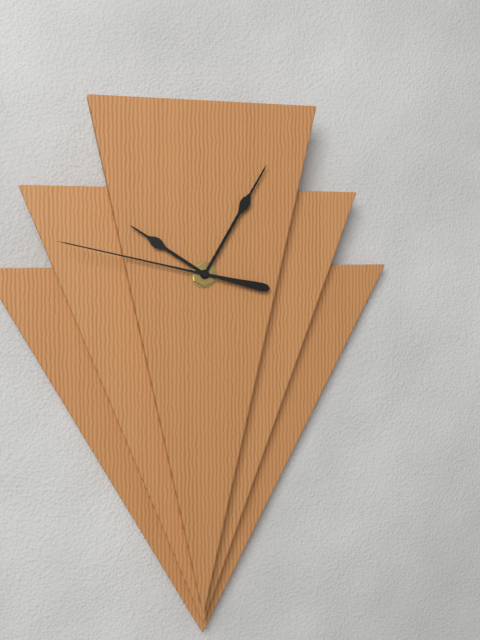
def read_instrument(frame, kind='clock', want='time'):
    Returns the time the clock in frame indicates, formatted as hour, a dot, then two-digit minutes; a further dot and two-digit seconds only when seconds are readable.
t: 10.05.47
